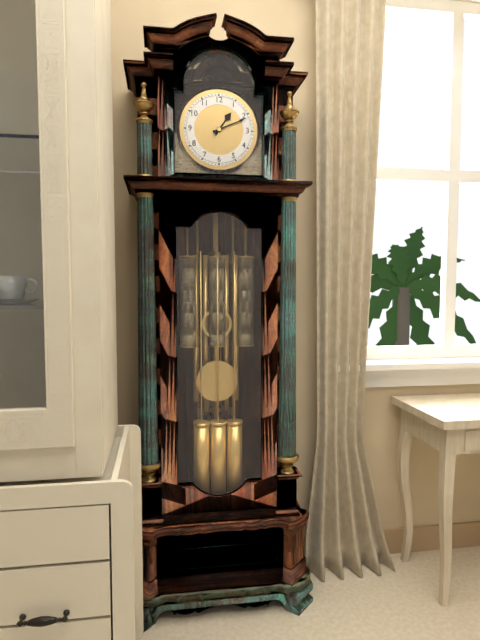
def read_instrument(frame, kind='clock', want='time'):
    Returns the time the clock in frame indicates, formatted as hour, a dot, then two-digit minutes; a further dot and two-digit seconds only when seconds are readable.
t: 1.11
